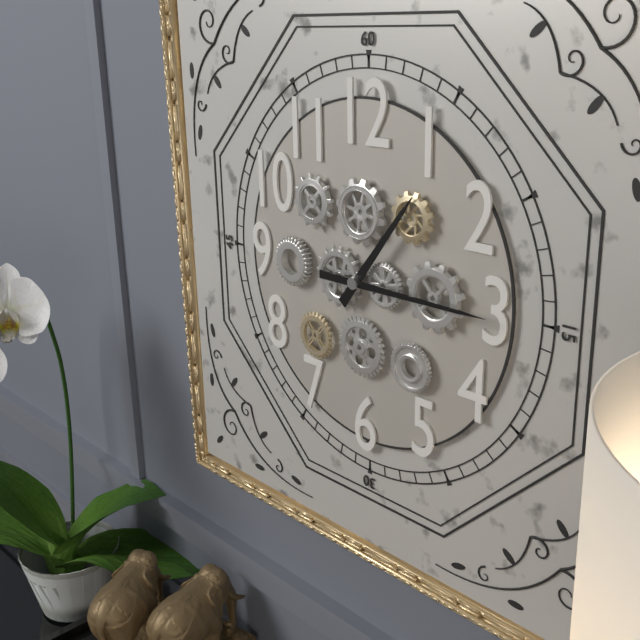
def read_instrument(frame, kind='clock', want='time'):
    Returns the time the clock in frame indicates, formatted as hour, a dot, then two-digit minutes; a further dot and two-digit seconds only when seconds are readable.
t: 1.15
